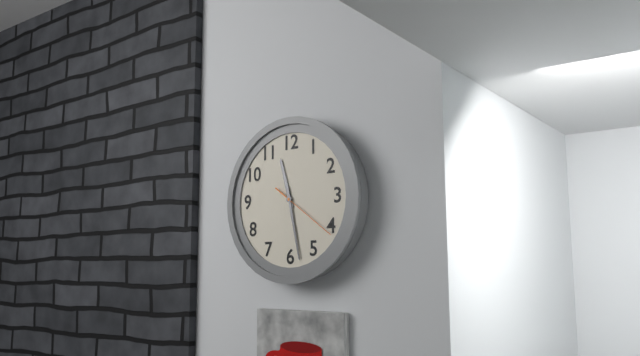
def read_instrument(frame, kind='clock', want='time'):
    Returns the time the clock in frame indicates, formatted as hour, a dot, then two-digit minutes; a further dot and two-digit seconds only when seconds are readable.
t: 11.28.21
